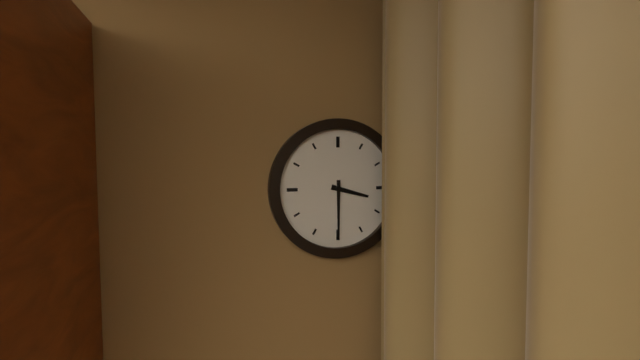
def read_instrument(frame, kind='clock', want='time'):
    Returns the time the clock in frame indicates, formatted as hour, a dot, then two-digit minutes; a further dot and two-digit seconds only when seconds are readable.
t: 3.30
